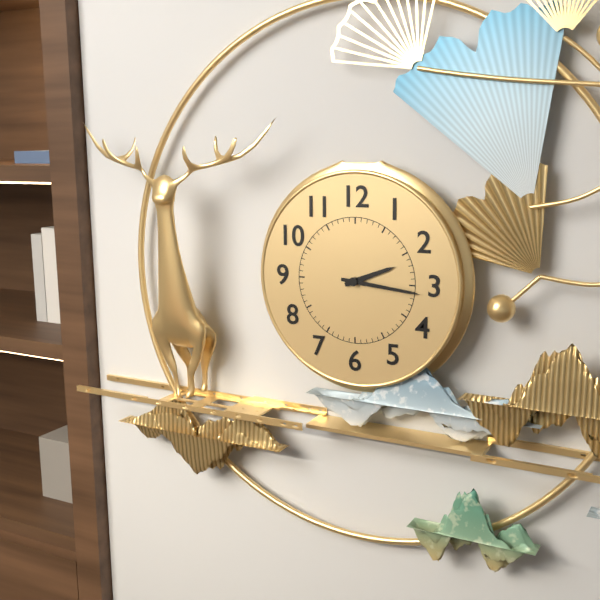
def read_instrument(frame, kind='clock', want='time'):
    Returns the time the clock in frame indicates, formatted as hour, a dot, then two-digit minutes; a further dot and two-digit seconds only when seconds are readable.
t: 2.16
